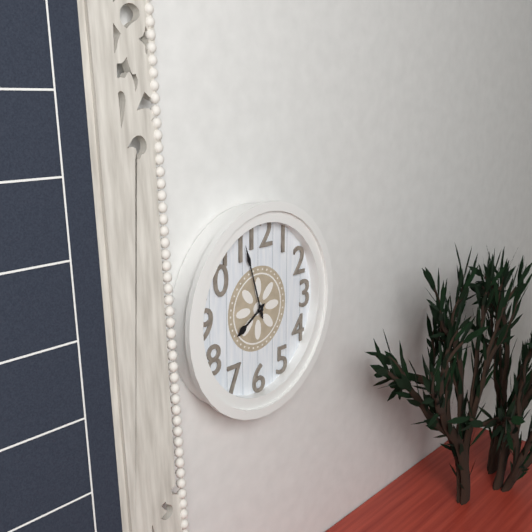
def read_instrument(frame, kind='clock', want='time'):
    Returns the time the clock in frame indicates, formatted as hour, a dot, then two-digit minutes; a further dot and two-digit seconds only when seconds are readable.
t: 7.57
